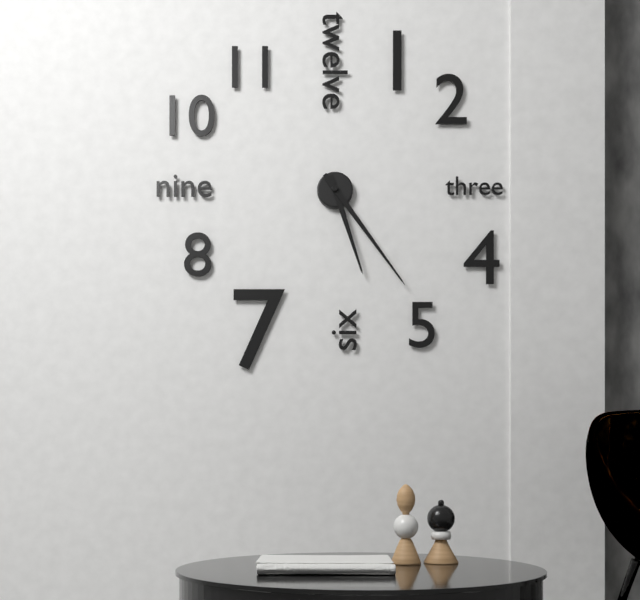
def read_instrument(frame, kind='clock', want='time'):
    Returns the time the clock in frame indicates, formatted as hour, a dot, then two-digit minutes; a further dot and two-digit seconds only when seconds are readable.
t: 5.24
